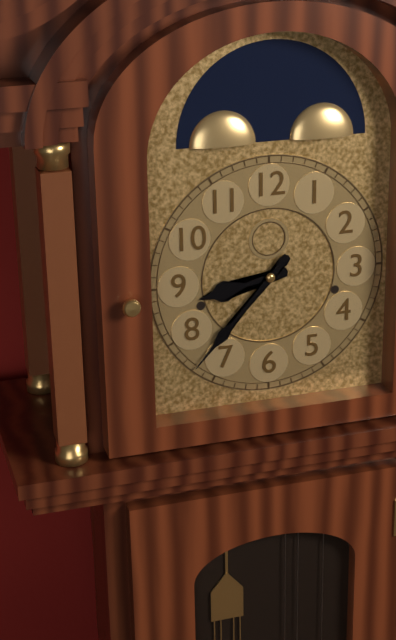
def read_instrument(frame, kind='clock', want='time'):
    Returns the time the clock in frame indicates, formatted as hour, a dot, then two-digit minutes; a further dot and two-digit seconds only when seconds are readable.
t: 8.37
